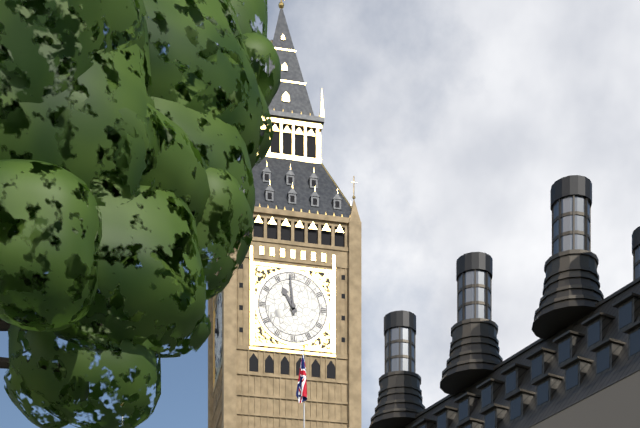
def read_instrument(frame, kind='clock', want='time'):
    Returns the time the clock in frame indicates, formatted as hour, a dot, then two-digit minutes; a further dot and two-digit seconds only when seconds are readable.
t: 10.59
